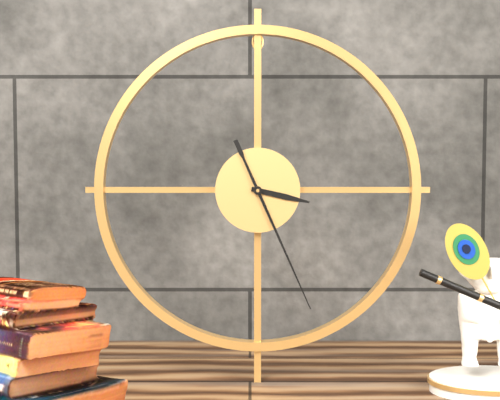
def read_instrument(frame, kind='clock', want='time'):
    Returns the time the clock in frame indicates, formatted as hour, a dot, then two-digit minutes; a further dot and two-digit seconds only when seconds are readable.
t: 3.26
